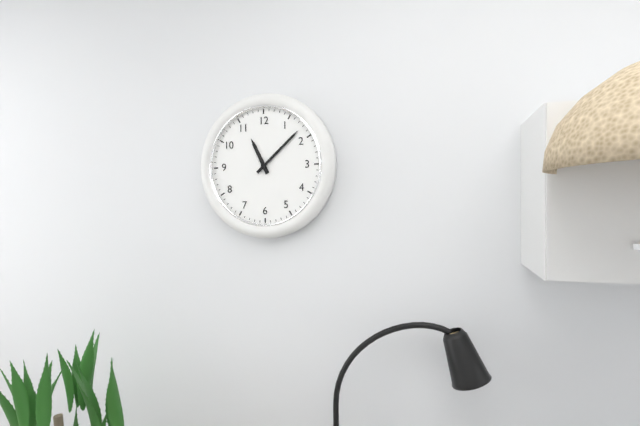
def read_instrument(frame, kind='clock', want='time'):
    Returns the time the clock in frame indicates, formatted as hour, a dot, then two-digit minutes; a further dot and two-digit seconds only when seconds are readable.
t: 11.08
